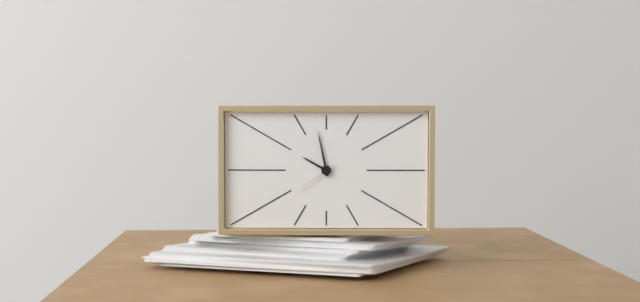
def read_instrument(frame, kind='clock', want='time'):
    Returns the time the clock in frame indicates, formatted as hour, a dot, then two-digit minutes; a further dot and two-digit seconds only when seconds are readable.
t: 9.58
